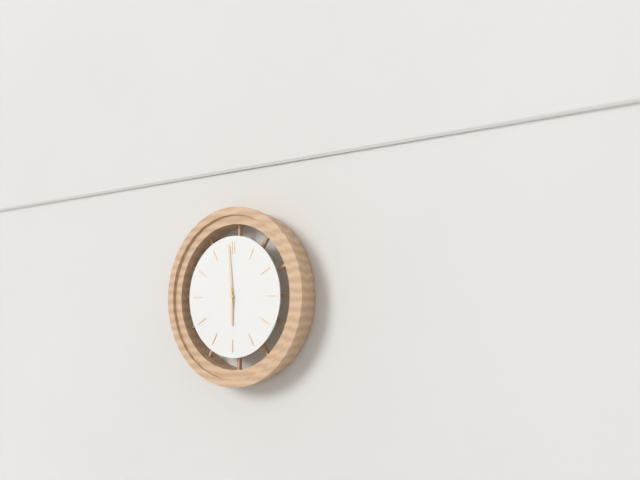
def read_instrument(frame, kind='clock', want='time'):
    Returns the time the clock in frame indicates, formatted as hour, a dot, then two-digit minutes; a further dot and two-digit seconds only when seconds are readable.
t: 5.59
